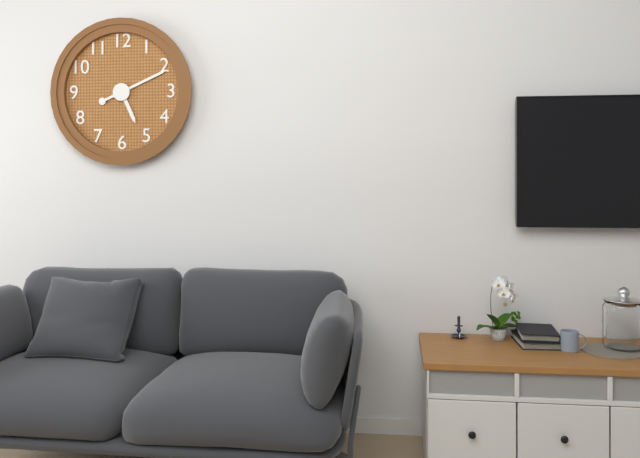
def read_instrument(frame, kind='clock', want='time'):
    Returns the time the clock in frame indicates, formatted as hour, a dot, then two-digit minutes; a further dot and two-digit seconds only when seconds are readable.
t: 5.11
